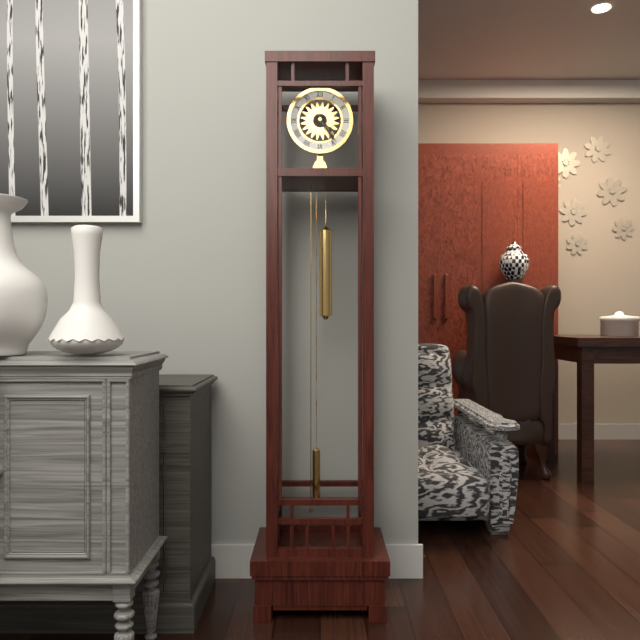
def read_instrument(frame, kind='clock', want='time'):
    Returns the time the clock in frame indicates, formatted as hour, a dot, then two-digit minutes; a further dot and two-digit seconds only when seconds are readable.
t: 4.24
